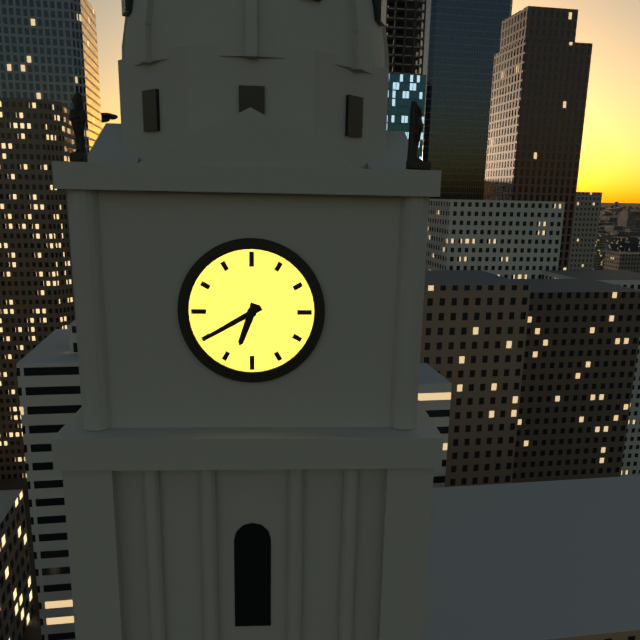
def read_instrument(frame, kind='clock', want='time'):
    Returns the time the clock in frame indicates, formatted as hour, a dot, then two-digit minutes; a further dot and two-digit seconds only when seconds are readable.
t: 6.40
